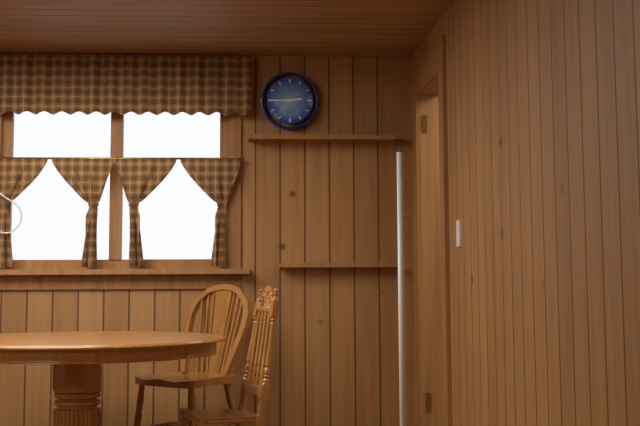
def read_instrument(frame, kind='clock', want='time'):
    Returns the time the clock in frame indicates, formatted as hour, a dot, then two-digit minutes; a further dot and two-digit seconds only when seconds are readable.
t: 2.45
